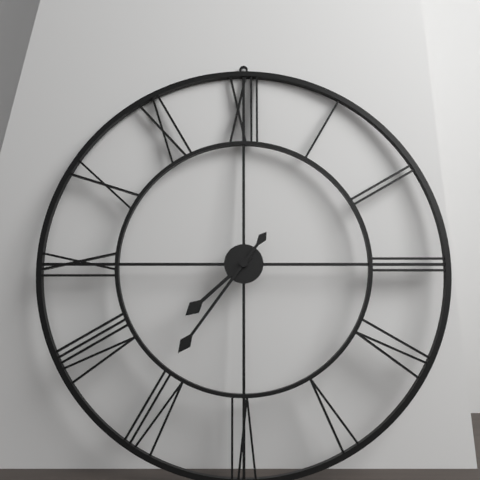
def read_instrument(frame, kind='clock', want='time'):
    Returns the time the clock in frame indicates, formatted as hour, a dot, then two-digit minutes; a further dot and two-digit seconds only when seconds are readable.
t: 7.36
